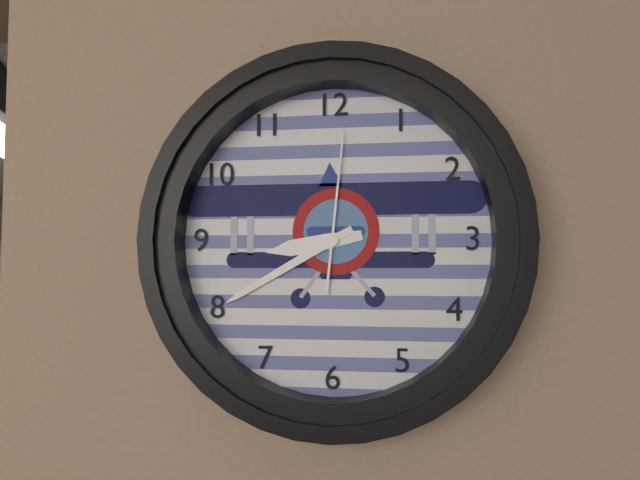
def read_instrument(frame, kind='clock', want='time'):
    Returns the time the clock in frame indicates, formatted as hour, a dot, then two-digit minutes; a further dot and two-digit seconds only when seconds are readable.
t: 8.40.01
